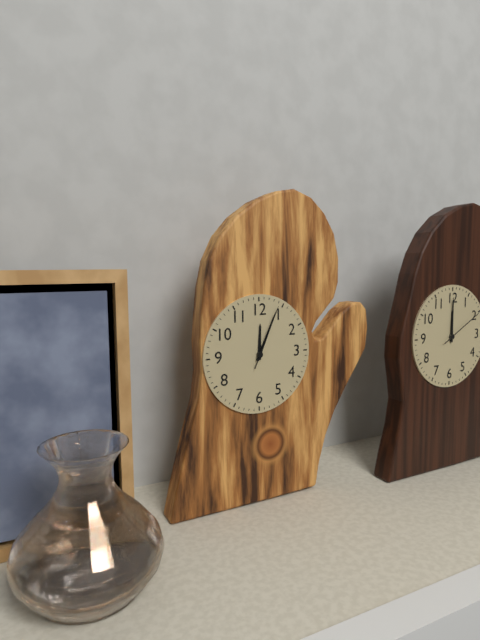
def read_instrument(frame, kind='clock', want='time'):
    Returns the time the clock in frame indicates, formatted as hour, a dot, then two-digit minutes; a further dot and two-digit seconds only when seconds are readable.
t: 12.04.04
